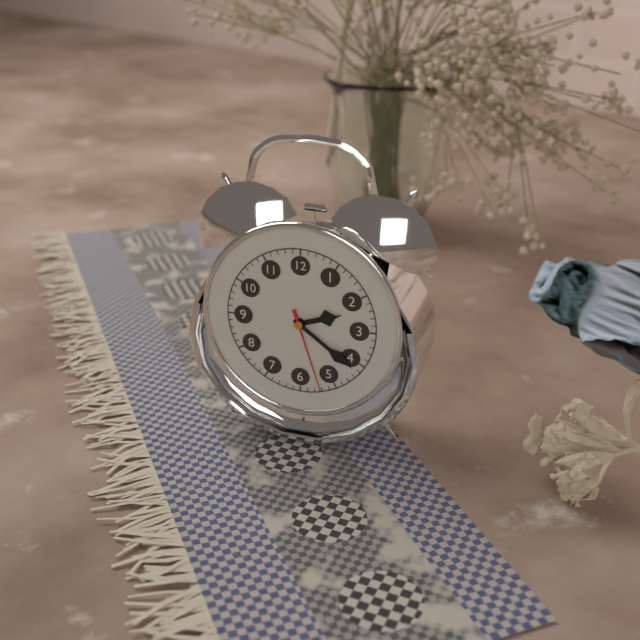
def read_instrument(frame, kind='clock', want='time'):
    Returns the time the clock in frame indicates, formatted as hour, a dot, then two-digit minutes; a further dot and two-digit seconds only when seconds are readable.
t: 2.21.27
